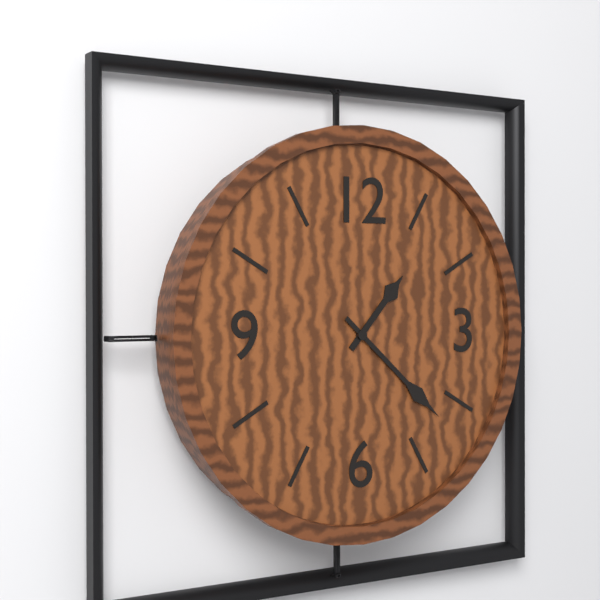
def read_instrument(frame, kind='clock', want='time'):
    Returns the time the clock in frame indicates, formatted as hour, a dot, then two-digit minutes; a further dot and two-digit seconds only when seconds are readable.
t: 1.22
